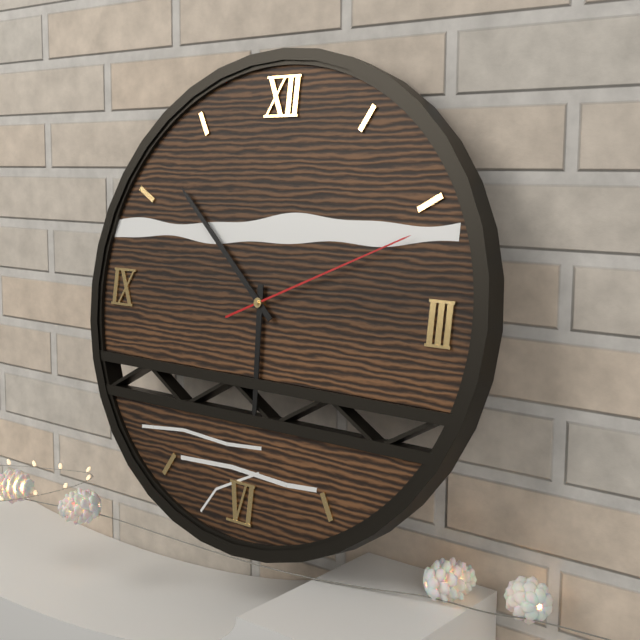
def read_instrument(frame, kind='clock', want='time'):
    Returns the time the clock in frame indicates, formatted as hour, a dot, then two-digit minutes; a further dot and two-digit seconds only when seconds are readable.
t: 5.52.11
